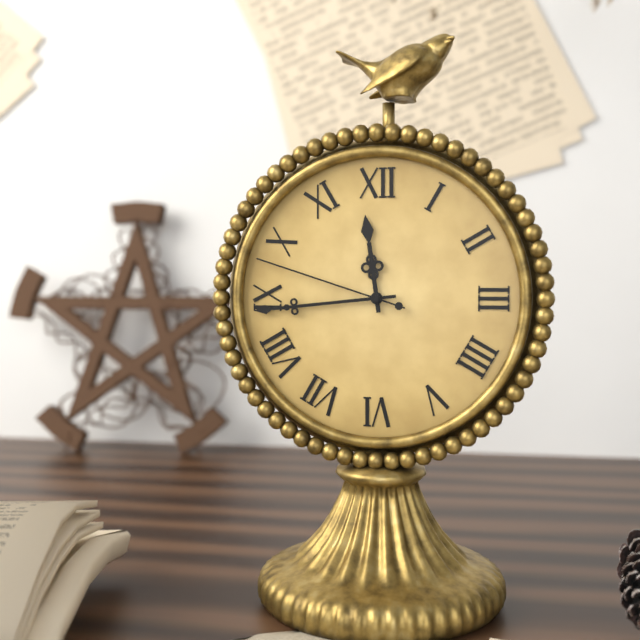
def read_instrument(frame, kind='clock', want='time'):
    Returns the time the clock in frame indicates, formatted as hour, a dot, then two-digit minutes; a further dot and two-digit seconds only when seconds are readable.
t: 11.44.48
